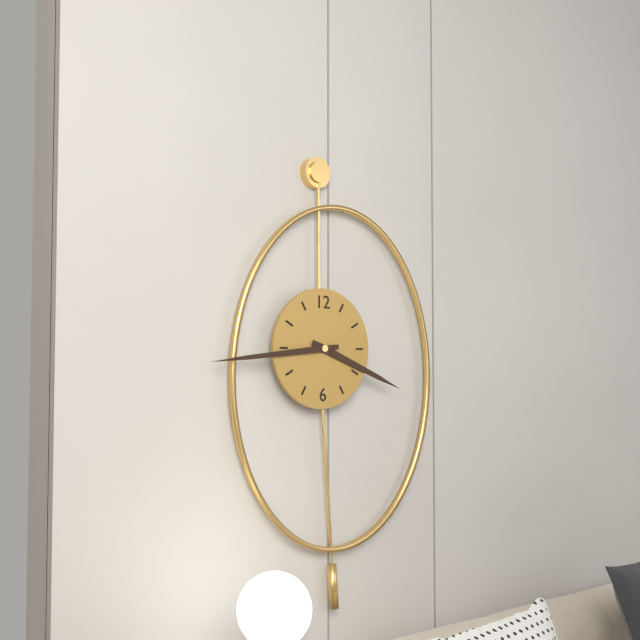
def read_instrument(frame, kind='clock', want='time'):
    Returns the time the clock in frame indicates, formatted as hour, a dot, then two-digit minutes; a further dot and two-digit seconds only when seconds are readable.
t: 3.44
